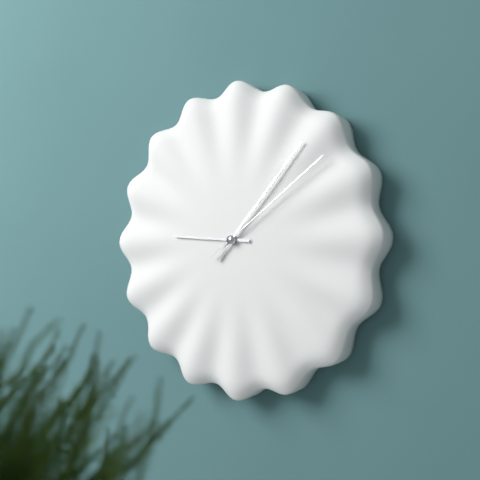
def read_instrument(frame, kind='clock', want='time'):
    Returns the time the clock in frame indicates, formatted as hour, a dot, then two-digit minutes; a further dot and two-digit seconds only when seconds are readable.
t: 9.07.09
